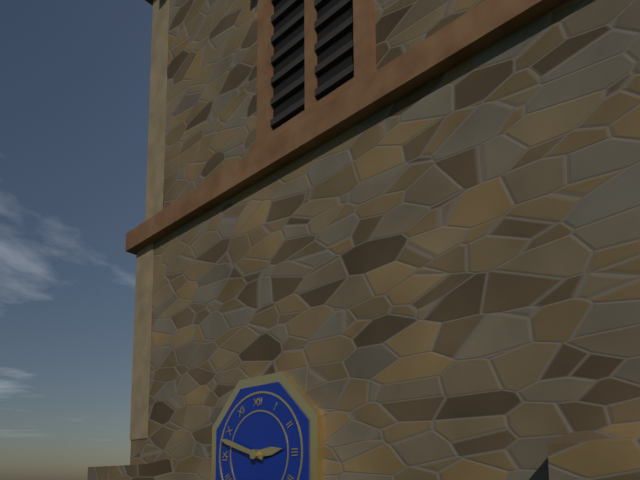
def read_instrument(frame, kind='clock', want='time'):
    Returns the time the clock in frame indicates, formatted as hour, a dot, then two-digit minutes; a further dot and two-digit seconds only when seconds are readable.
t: 2.48
